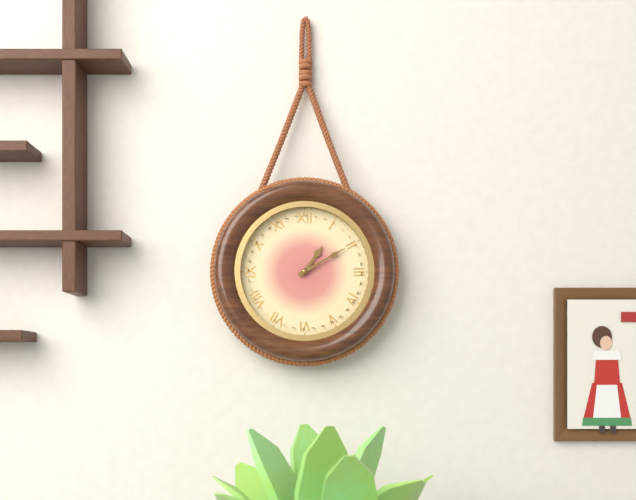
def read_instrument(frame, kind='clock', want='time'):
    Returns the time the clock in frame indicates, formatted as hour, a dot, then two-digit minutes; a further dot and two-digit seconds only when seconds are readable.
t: 1.10
